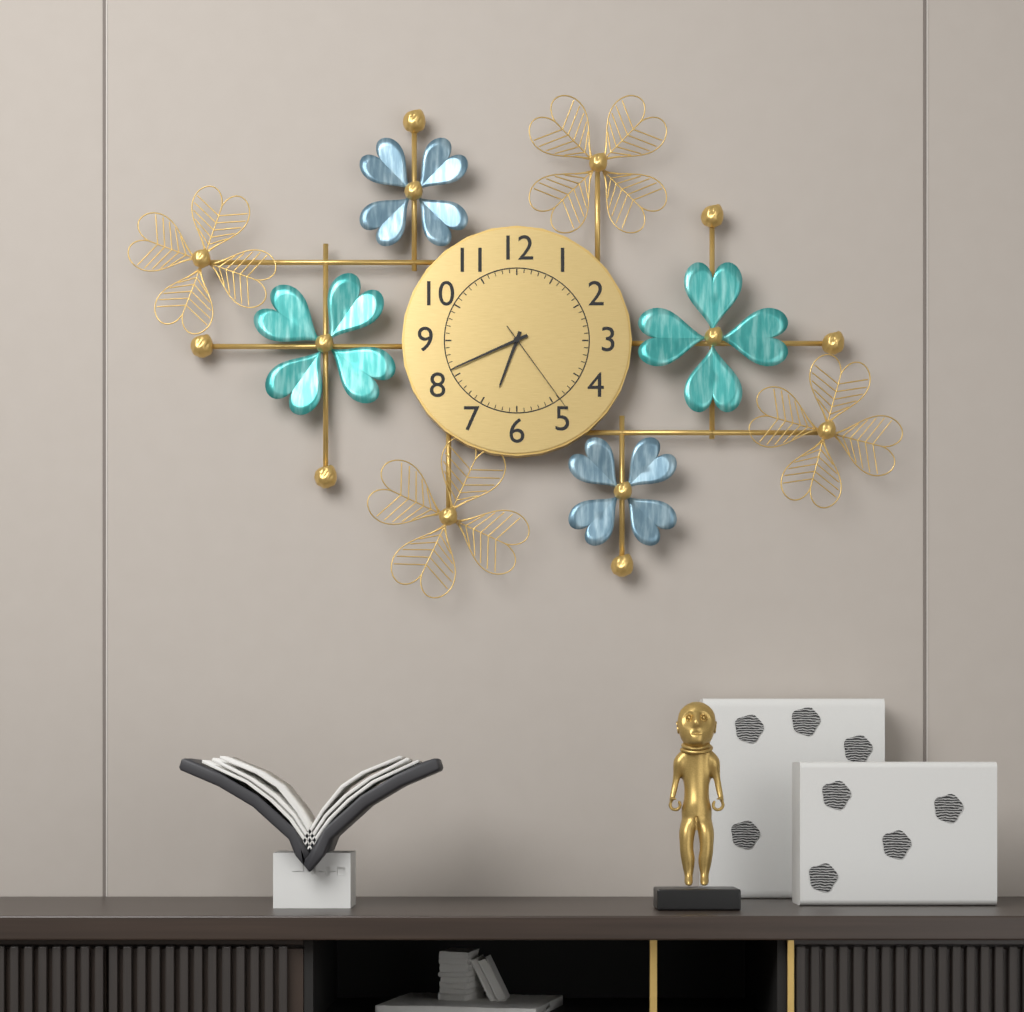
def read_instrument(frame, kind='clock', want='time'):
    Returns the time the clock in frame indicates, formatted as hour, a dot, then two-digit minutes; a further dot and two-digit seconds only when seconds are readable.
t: 6.41.24
